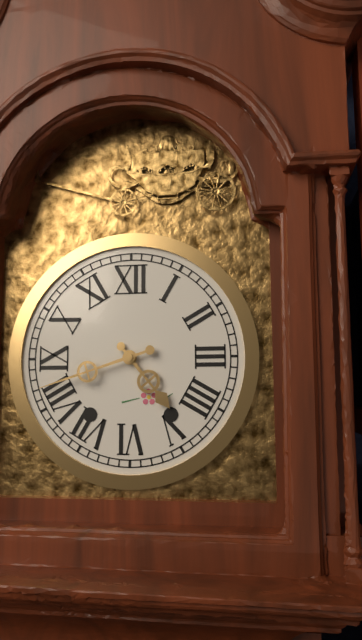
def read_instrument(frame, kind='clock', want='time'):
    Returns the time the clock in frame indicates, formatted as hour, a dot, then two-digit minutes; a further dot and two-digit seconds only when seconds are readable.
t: 4.42
